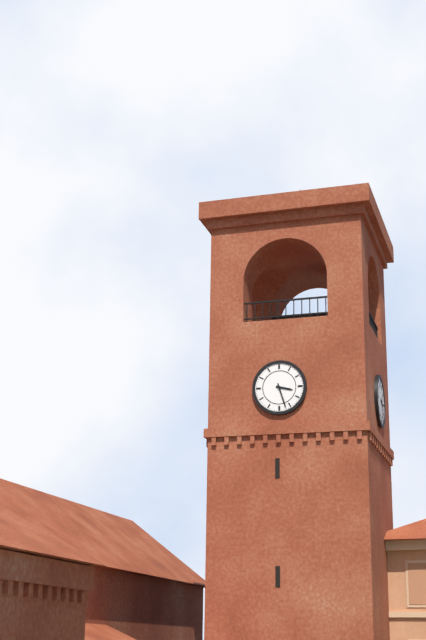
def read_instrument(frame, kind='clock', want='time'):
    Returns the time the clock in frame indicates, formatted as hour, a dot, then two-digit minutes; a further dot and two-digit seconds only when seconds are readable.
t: 3.27
